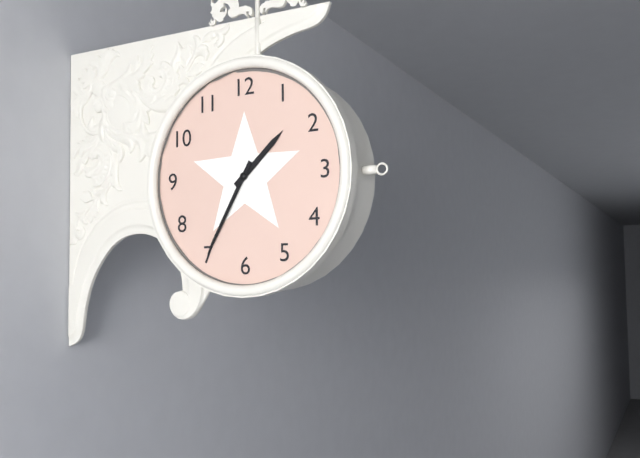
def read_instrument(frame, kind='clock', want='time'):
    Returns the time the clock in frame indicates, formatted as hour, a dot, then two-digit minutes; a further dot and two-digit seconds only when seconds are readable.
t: 1.35
